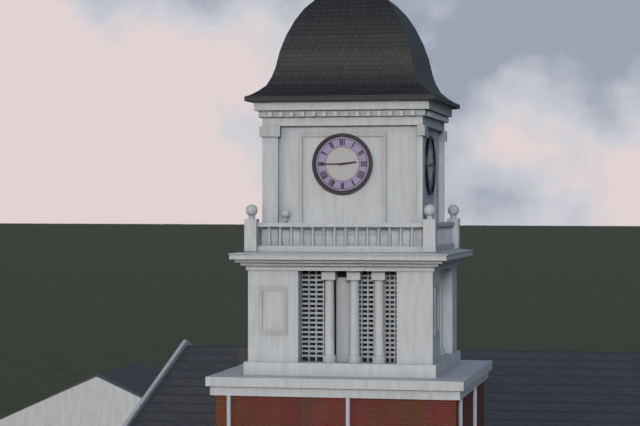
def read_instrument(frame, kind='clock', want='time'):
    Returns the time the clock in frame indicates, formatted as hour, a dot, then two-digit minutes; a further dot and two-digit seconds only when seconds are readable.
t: 2.45
